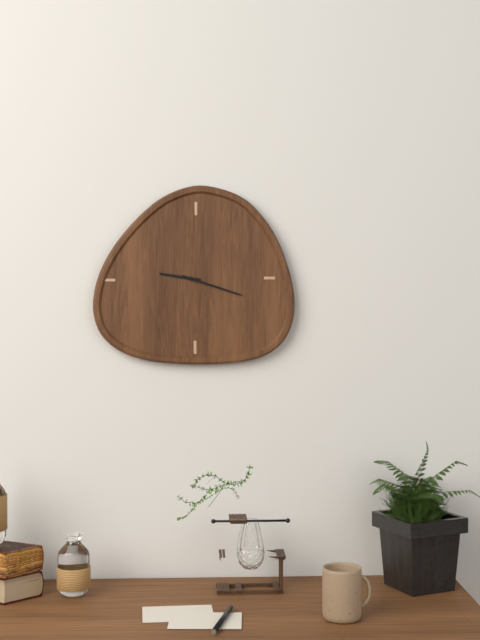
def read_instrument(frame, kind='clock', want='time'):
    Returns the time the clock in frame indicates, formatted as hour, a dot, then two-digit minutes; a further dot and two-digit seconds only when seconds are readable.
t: 9.18
